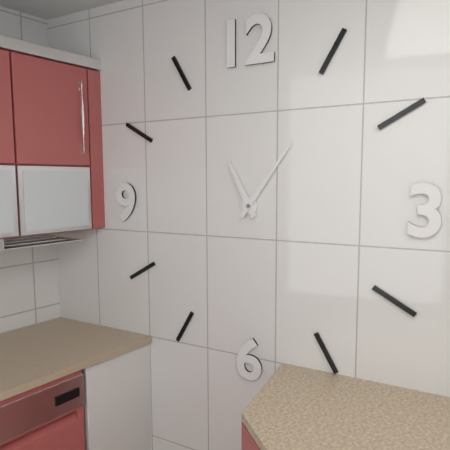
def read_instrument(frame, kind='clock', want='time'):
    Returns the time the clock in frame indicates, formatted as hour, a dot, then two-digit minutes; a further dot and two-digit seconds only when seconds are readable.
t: 11.06
